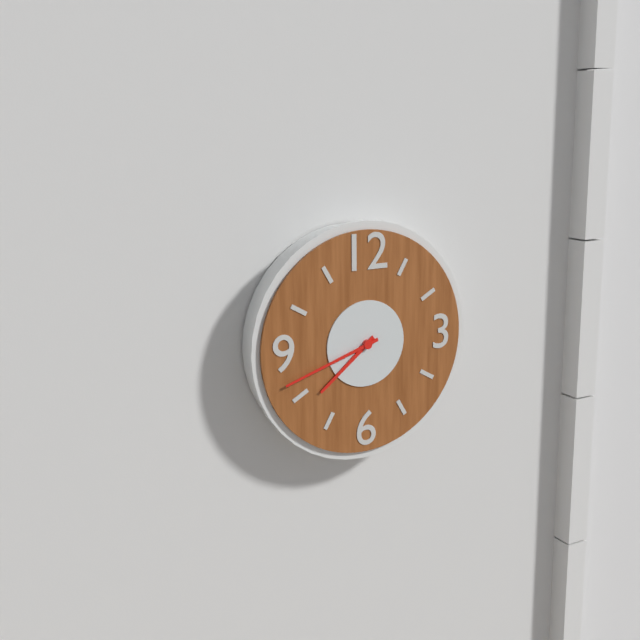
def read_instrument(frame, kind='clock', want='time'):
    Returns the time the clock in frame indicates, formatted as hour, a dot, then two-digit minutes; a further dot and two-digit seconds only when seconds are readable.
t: 7.42
